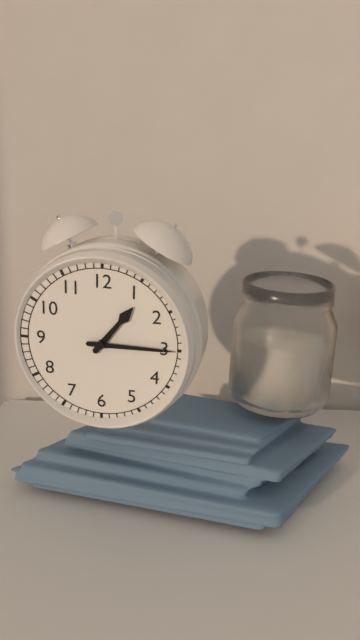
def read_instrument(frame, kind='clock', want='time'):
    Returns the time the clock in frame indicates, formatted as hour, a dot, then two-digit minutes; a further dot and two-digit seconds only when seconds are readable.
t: 1.15
